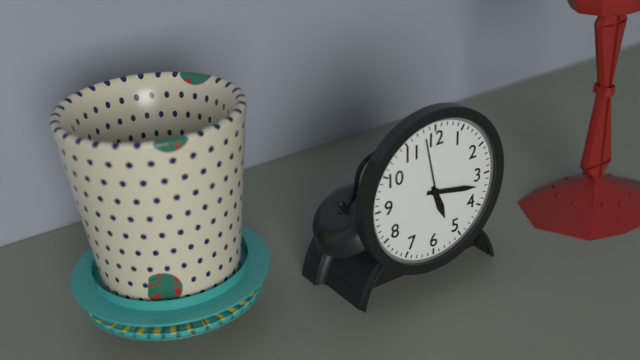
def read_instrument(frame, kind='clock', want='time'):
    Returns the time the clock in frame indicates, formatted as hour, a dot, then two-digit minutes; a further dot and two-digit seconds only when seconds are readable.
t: 5.17.58
